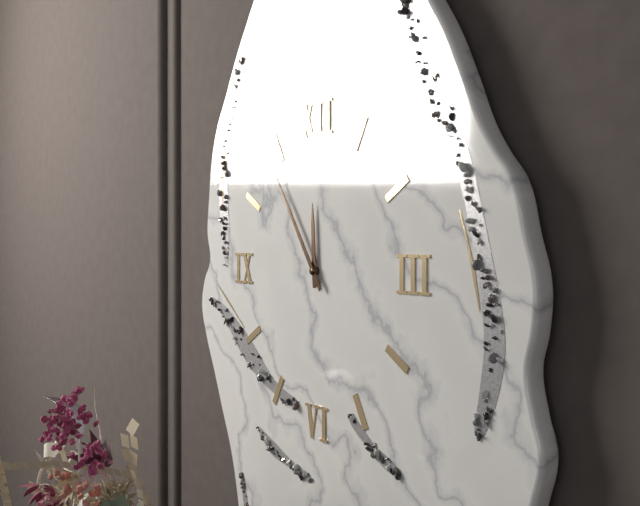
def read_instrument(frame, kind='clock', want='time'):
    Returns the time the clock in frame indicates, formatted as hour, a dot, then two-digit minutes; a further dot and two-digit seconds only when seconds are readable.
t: 11.54
